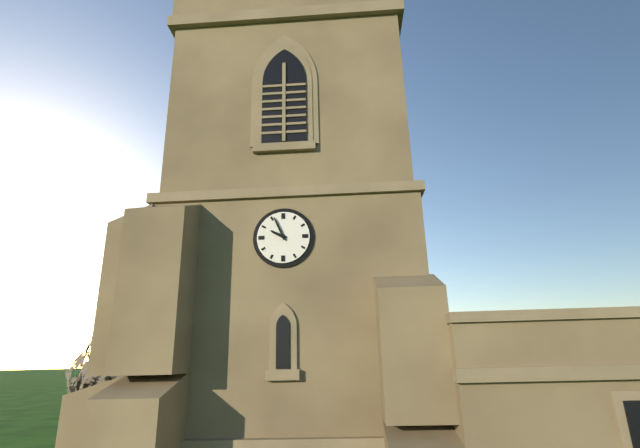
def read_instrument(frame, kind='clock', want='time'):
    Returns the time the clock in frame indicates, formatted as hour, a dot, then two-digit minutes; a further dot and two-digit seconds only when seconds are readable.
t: 9.56
